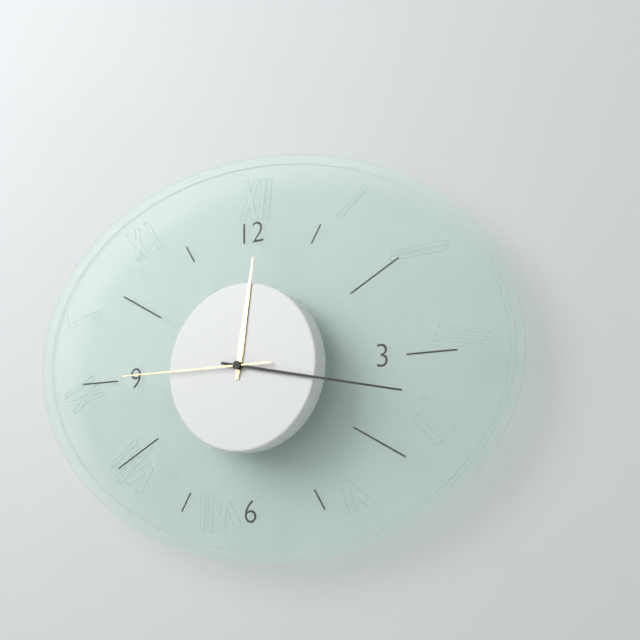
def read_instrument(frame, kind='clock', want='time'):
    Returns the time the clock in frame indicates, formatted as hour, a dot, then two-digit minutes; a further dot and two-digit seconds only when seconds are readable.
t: 12.17.45
